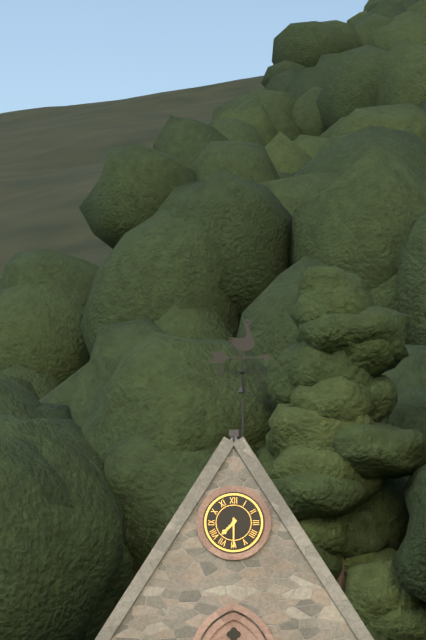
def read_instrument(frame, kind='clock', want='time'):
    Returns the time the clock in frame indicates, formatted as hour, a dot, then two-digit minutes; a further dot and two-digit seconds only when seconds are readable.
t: 7.30
